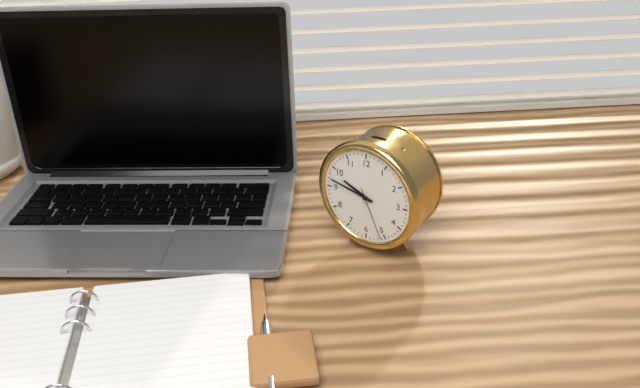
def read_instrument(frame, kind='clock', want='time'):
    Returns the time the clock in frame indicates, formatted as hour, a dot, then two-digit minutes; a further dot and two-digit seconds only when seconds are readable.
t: 9.47.26
